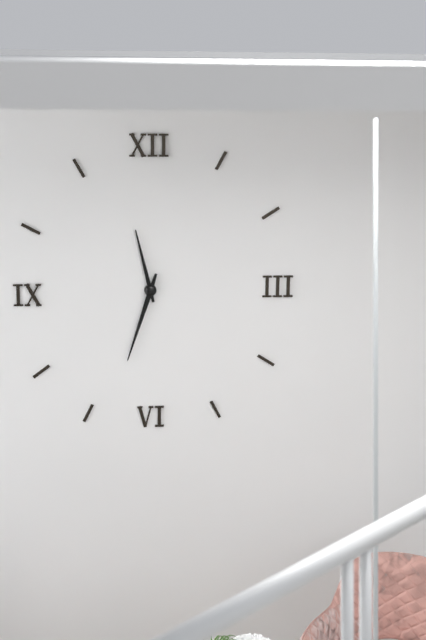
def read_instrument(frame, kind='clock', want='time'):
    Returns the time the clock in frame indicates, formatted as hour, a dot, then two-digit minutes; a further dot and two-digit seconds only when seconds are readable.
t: 11.33
